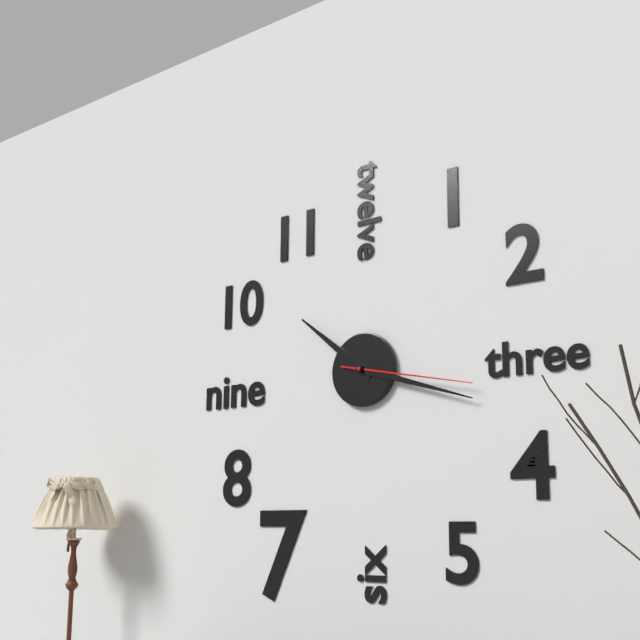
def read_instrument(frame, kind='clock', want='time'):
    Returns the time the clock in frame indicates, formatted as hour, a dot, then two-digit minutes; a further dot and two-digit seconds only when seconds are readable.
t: 10.18.17
